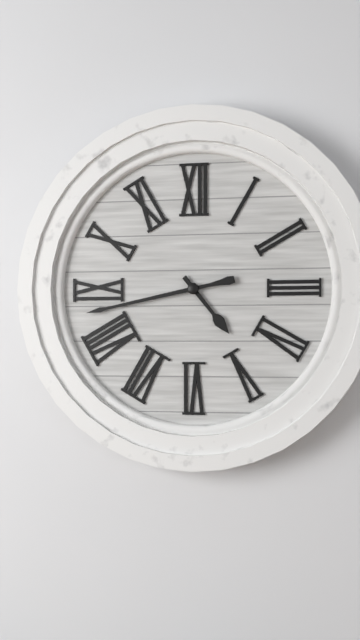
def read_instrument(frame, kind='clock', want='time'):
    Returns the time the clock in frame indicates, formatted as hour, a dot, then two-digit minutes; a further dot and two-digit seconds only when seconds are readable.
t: 4.43
